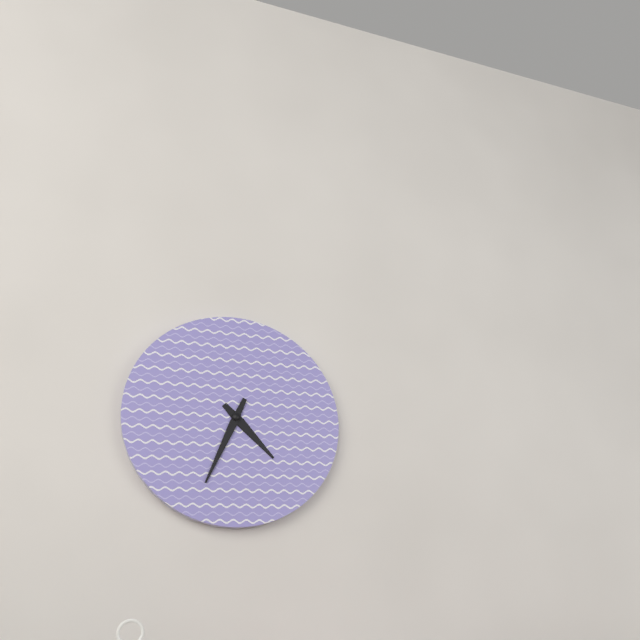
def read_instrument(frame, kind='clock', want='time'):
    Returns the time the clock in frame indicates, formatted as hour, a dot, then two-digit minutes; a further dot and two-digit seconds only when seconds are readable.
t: 4.34
